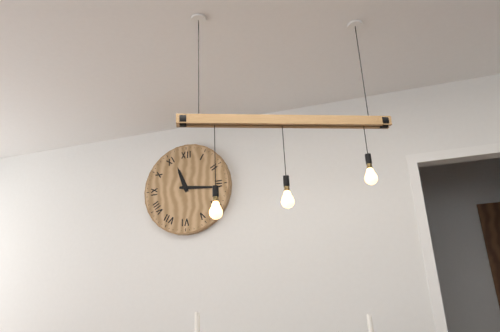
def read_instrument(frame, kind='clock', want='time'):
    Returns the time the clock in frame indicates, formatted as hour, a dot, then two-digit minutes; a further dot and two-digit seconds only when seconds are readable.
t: 11.16
